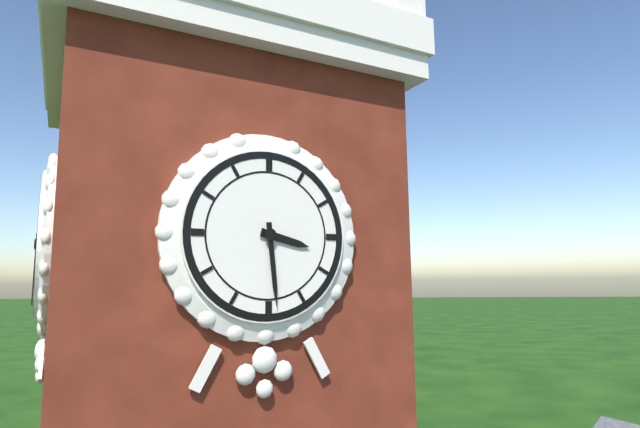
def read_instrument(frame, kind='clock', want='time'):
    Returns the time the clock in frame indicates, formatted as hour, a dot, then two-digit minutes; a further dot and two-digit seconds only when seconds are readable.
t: 3.29
